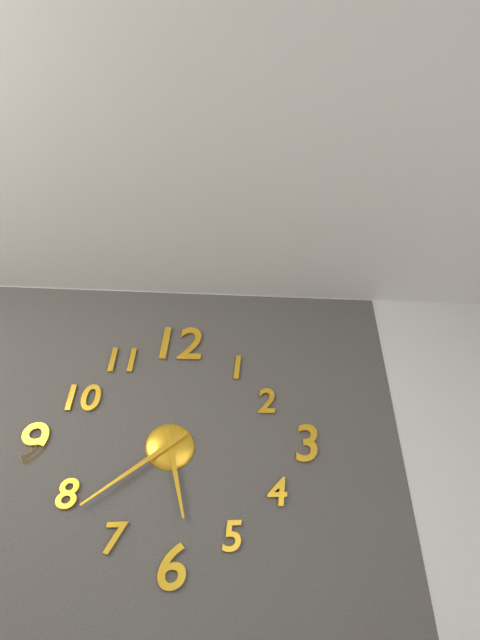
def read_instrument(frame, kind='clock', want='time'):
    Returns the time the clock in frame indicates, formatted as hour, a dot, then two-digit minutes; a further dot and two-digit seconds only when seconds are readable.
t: 5.39
